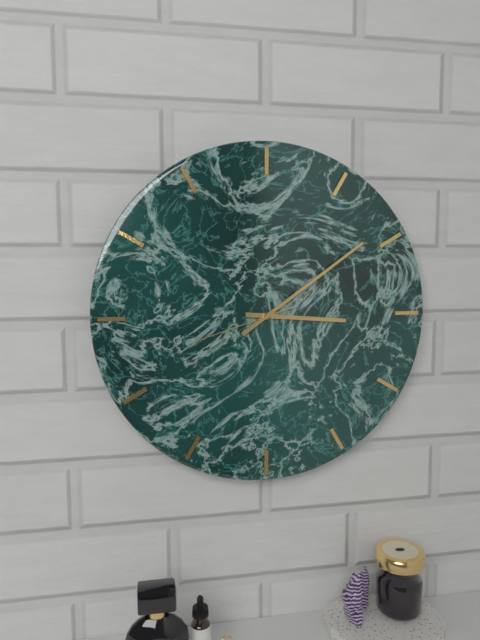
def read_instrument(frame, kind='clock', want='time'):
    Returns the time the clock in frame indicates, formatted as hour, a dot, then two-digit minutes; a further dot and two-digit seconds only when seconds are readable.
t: 3.09.42
